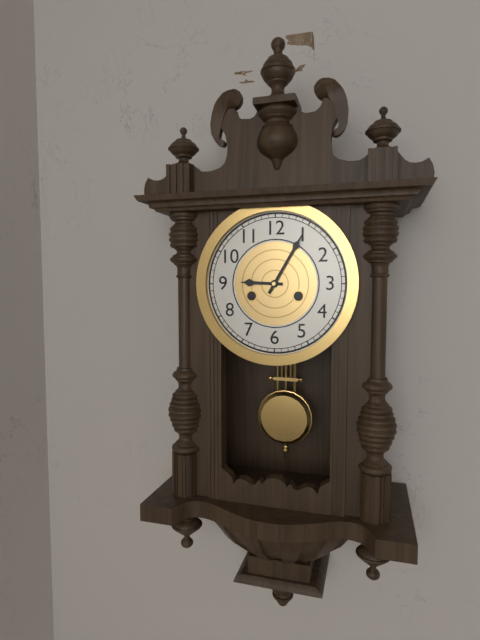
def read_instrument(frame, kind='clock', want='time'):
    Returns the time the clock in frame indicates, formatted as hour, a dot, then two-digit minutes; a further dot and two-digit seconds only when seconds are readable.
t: 9.05
